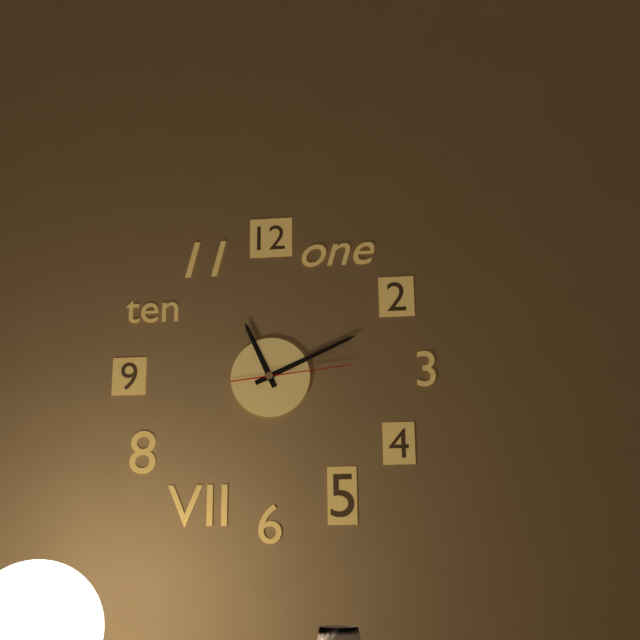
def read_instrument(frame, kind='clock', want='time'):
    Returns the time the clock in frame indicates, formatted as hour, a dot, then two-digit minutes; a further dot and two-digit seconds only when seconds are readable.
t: 11.11.14
